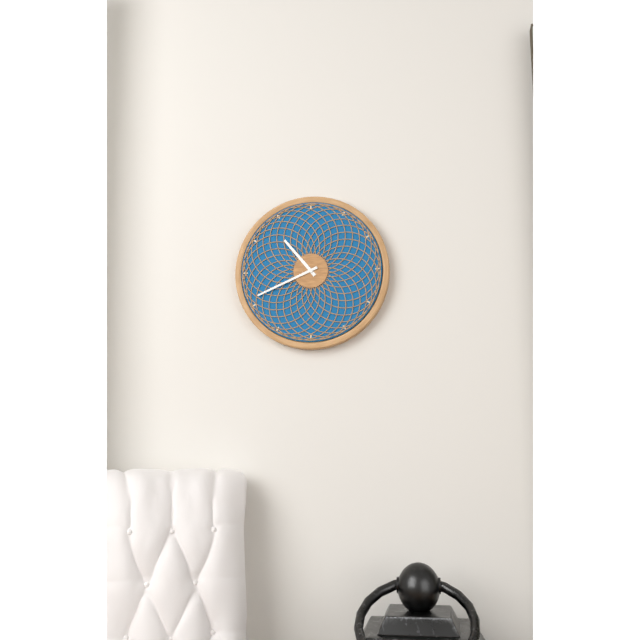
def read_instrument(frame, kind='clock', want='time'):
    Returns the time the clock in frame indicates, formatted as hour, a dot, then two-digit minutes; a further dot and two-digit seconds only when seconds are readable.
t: 10.41
